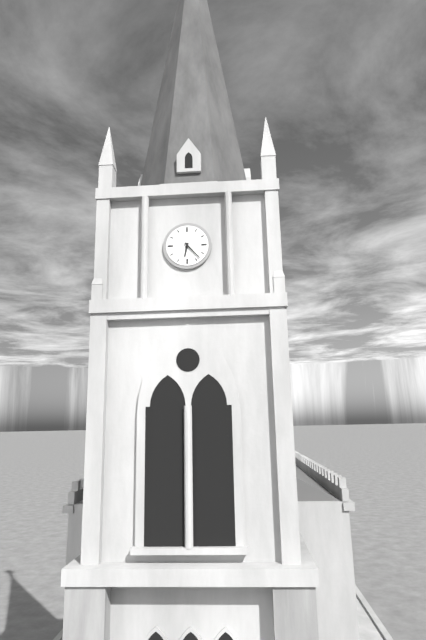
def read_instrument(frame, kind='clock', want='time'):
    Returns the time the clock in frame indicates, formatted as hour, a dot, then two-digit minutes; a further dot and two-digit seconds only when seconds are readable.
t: 6.23
